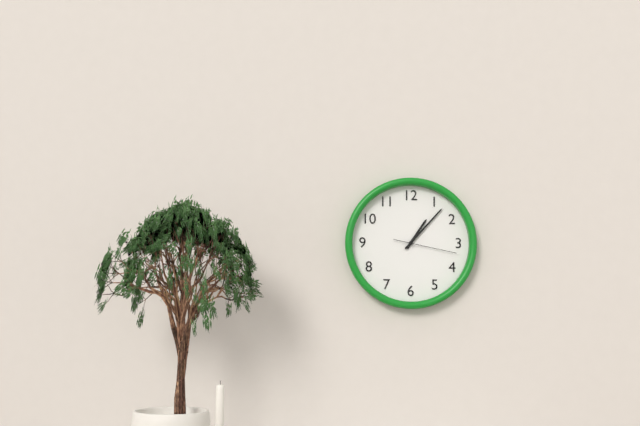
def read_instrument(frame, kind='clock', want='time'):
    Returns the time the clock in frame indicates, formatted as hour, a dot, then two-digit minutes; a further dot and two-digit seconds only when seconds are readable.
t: 1.07.17
